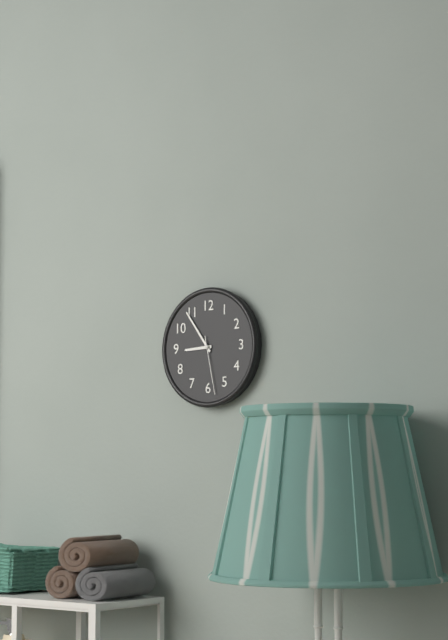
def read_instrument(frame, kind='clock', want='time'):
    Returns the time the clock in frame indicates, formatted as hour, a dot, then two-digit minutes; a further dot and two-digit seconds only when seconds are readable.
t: 8.54.28
